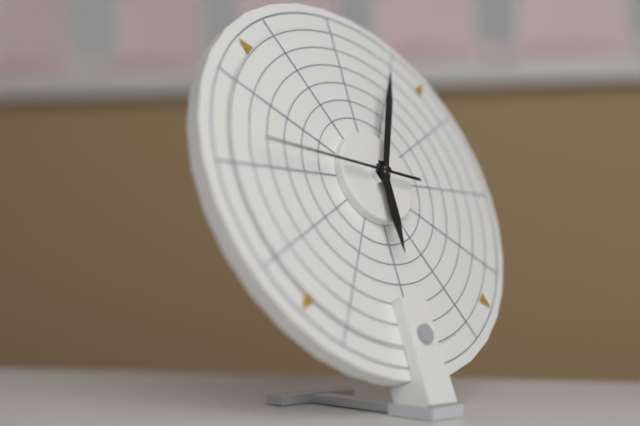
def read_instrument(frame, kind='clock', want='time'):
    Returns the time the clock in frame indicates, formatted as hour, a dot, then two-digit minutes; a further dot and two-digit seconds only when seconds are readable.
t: 6.04.46
